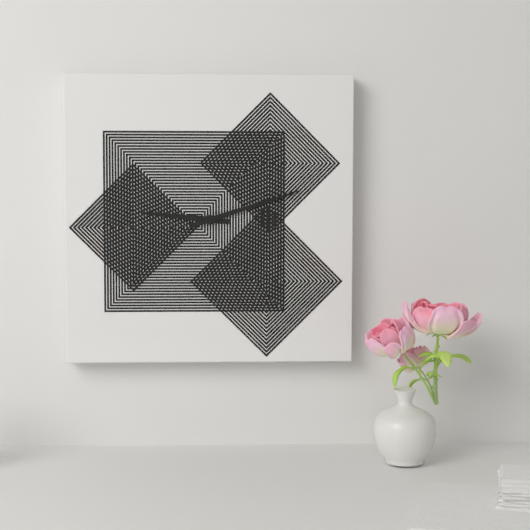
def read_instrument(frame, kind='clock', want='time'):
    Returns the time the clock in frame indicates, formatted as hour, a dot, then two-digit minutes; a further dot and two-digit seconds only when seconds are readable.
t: 9.12
